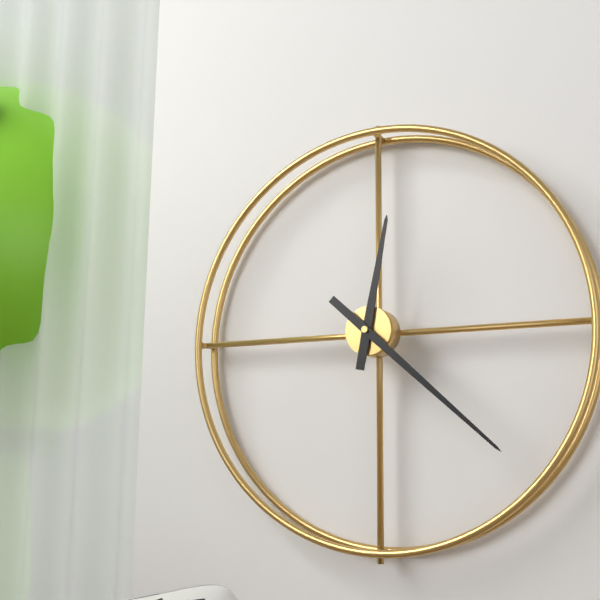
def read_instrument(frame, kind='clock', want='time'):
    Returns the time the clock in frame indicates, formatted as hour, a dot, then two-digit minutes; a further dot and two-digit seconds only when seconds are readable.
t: 12.22
